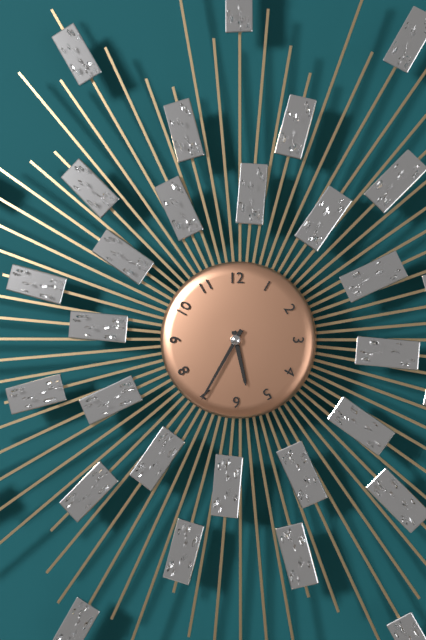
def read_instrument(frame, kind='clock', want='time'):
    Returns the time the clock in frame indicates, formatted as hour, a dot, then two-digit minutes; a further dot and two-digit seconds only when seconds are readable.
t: 5.35
